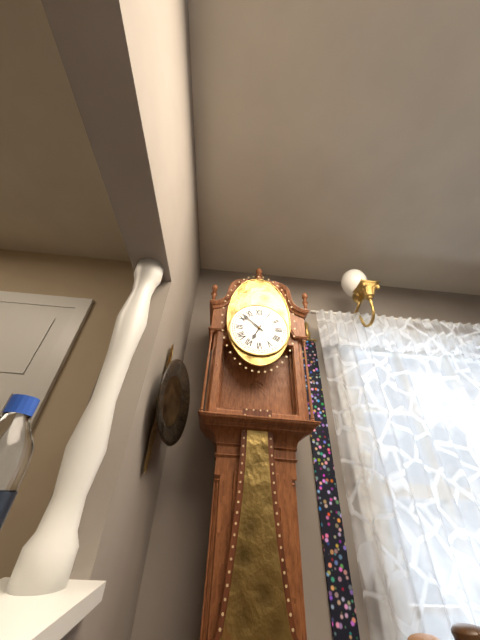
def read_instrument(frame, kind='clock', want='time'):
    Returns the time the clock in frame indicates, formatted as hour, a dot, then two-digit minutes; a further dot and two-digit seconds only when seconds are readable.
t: 6.52
